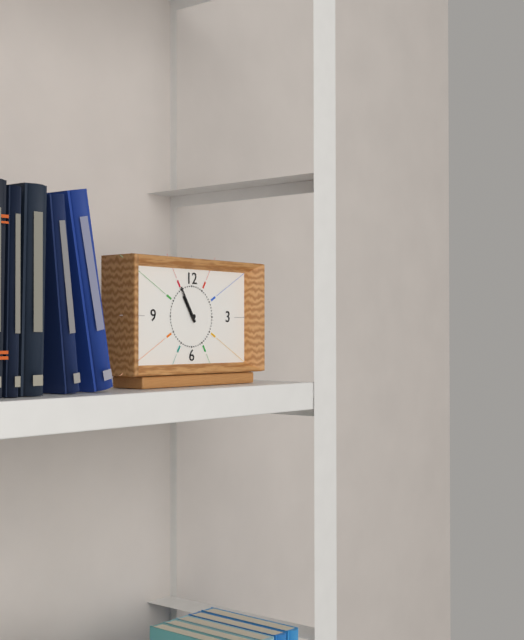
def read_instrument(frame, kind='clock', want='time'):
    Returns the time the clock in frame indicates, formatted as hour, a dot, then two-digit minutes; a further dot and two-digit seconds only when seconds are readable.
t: 10.55
